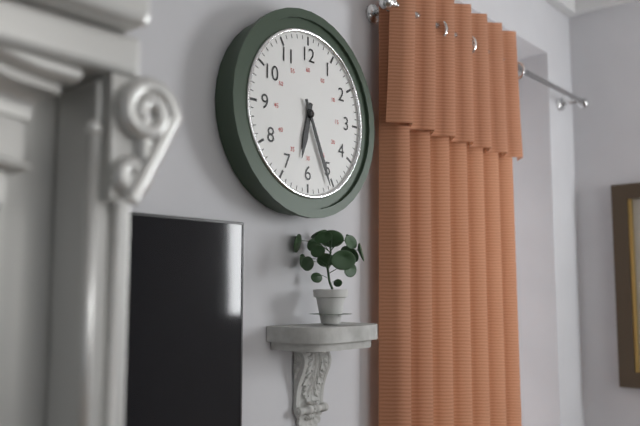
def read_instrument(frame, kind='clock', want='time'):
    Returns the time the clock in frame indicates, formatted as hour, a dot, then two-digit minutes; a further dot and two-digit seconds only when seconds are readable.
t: 6.26
